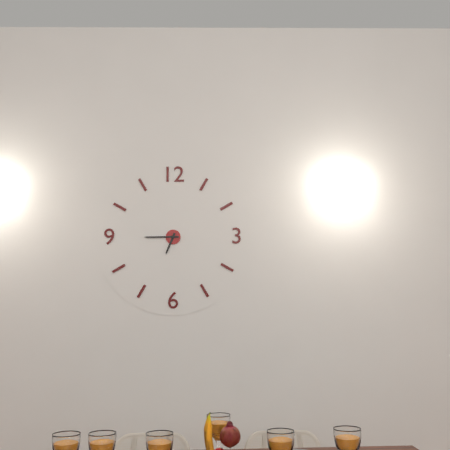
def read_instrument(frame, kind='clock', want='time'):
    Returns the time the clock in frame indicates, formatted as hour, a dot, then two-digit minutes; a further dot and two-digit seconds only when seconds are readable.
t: 6.45
